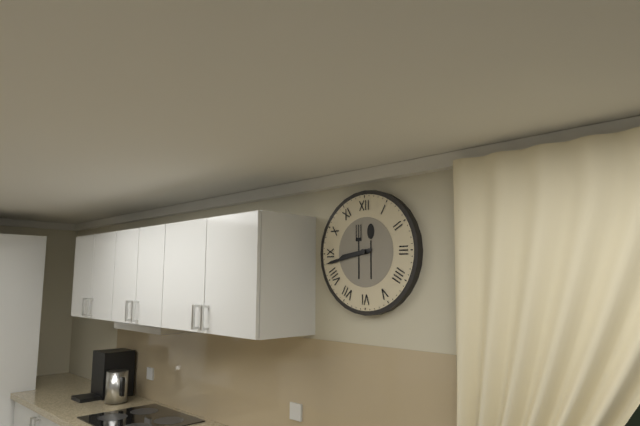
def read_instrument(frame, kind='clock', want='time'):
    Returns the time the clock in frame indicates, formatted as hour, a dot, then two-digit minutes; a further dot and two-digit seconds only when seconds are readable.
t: 8.43
